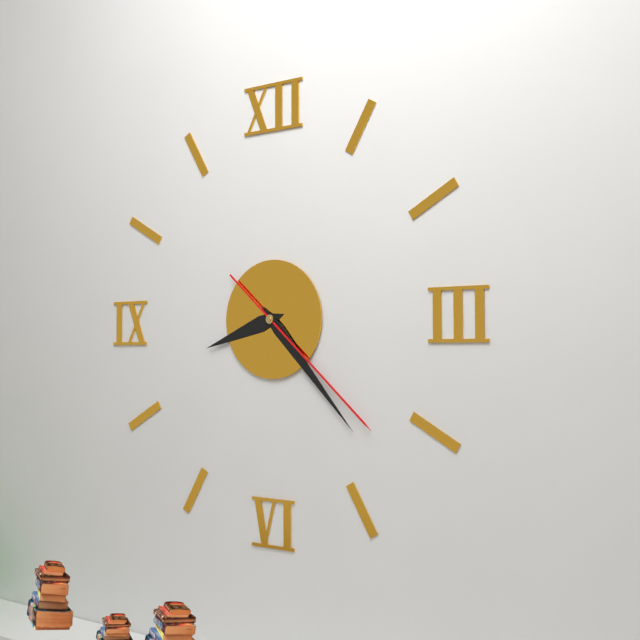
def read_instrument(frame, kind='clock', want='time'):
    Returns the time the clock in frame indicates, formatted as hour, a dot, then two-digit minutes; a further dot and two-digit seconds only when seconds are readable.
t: 8.23.22
